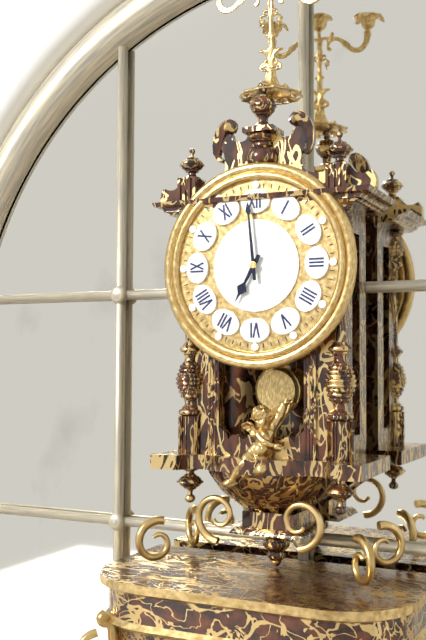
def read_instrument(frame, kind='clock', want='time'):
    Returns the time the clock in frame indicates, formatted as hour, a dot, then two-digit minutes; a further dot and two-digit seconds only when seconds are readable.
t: 6.59
